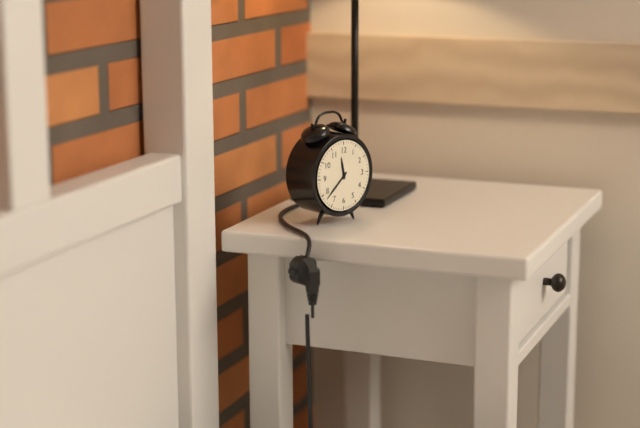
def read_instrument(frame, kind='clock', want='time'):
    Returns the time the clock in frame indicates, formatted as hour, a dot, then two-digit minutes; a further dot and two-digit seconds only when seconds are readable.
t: 11.38
